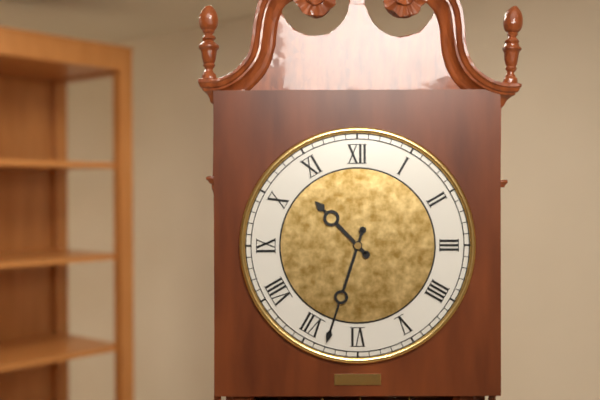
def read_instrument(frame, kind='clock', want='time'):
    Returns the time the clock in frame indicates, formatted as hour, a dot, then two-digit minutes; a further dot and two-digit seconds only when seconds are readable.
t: 10.33
